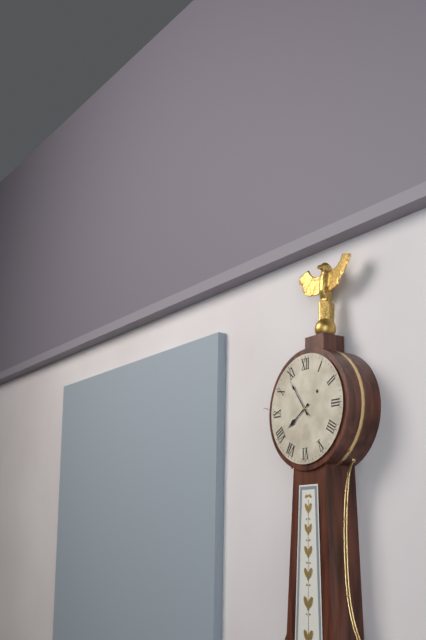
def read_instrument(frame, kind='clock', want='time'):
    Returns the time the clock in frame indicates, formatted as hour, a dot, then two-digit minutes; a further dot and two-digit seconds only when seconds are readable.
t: 7.54
